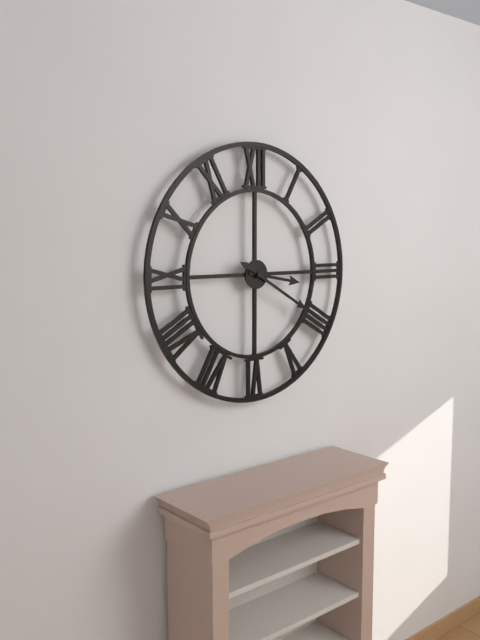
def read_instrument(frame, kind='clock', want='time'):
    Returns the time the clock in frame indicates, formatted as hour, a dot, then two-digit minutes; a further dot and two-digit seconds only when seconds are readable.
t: 3.20
